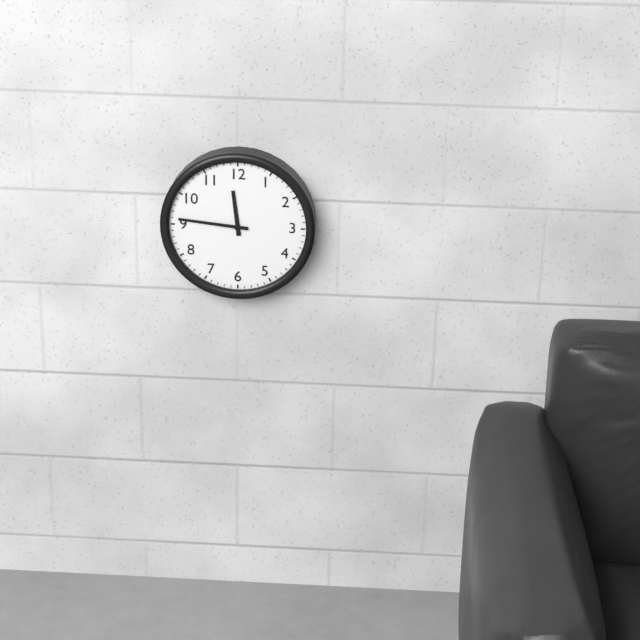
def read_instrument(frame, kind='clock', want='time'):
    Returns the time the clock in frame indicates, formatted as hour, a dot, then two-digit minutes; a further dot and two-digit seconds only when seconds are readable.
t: 11.46
